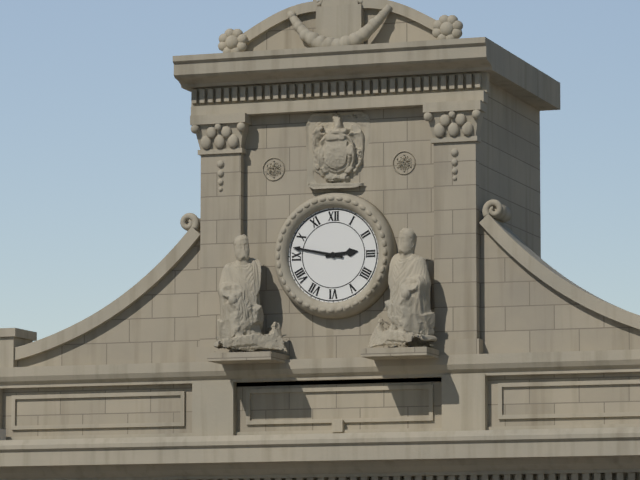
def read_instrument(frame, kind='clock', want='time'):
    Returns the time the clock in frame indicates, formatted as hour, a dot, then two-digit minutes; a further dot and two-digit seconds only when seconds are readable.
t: 2.47
